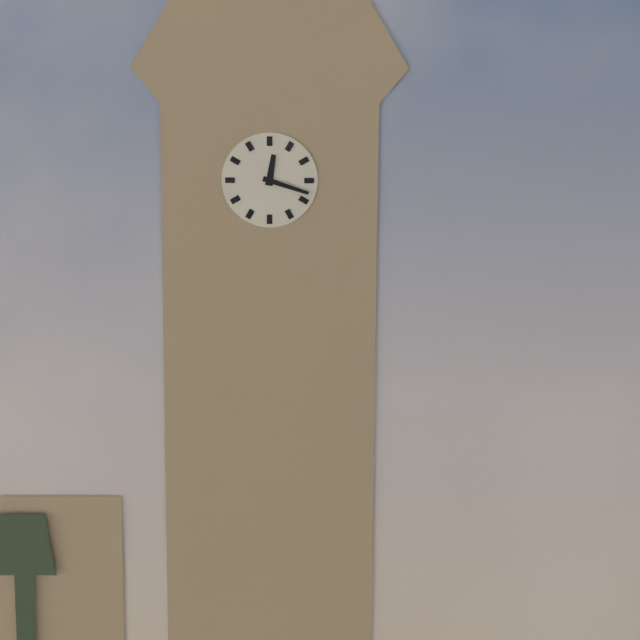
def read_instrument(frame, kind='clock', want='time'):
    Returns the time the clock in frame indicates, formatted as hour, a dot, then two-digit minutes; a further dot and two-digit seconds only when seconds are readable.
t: 12.18
